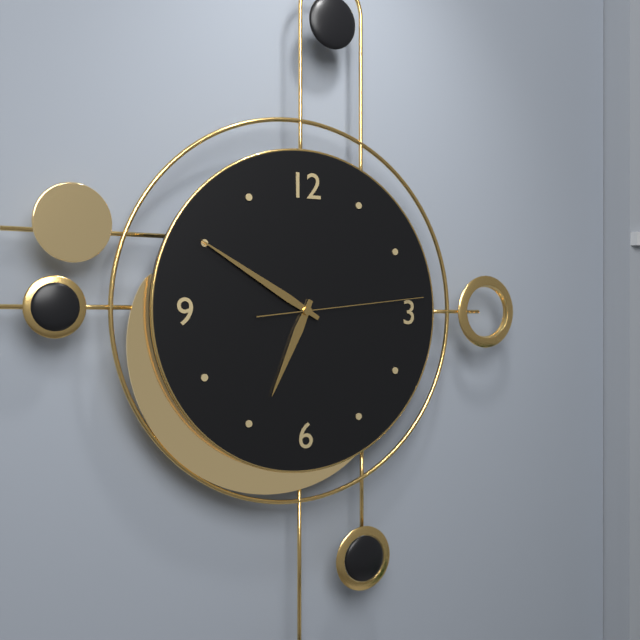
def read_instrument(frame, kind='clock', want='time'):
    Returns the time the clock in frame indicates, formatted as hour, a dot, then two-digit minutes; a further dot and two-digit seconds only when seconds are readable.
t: 6.50.14
